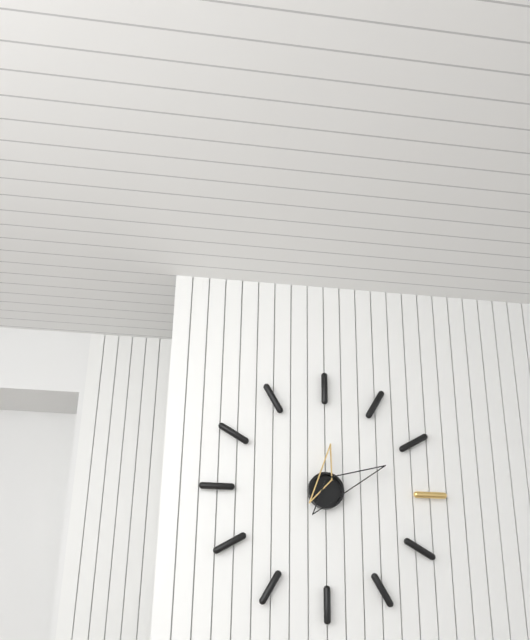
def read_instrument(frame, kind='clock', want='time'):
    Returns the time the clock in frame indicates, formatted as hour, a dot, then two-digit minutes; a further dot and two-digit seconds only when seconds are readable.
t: 12.11
